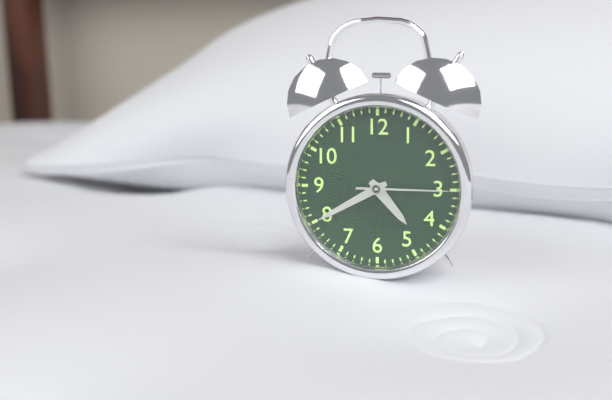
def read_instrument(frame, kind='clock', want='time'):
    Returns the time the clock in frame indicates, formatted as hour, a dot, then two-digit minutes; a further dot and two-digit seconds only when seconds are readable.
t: 4.40.15
